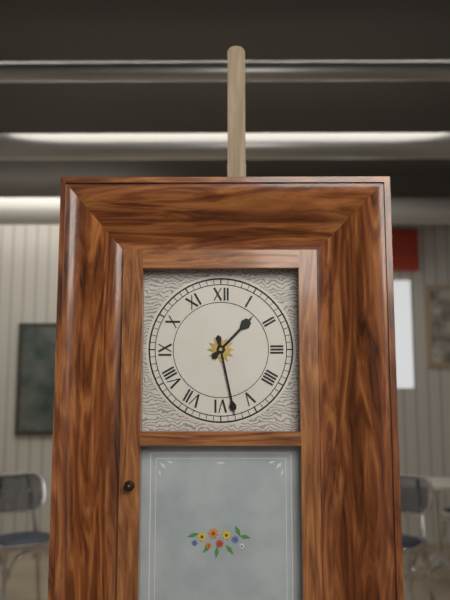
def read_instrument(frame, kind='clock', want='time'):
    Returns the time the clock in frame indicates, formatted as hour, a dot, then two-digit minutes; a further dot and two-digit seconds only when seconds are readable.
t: 1.28
